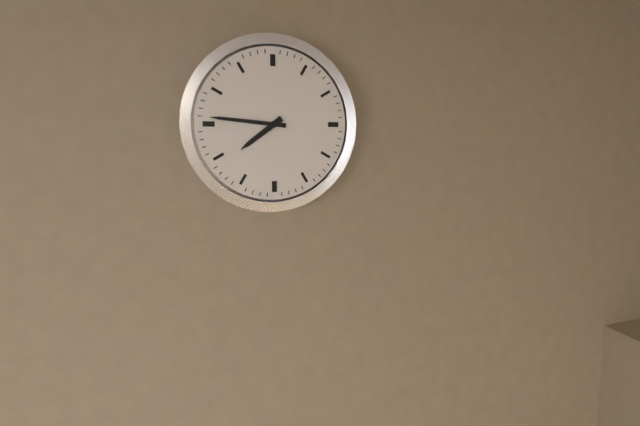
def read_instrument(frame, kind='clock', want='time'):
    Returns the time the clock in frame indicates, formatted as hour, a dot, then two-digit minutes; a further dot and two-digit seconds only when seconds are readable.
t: 7.46
